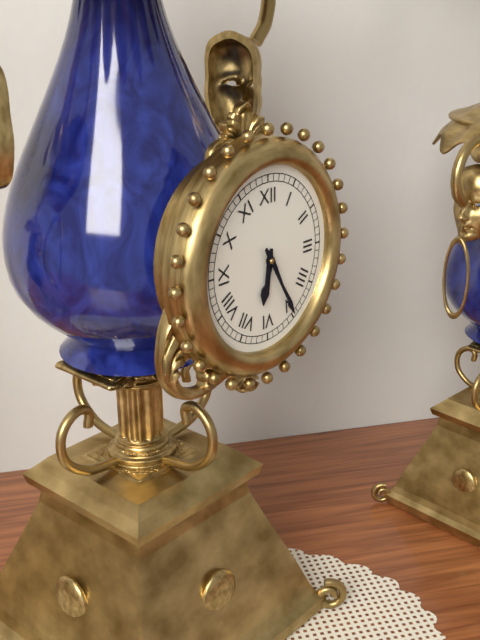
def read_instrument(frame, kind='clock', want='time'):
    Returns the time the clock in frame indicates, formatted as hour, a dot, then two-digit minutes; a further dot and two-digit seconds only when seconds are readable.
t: 6.25
